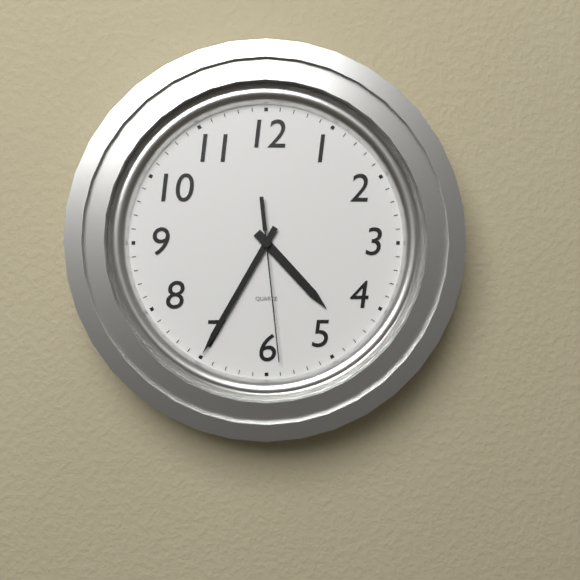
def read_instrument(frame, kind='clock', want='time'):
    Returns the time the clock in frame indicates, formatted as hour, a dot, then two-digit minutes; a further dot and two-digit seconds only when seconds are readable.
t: 4.35.29
